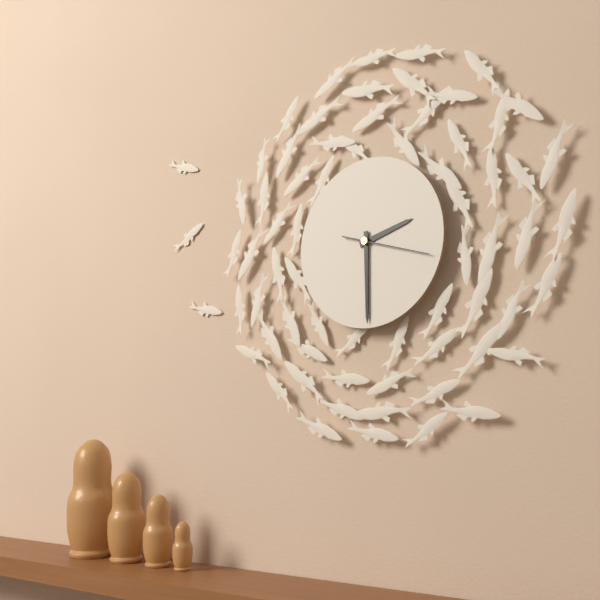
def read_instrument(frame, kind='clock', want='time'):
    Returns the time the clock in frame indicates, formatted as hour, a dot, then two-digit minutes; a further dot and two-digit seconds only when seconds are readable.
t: 2.30.18
